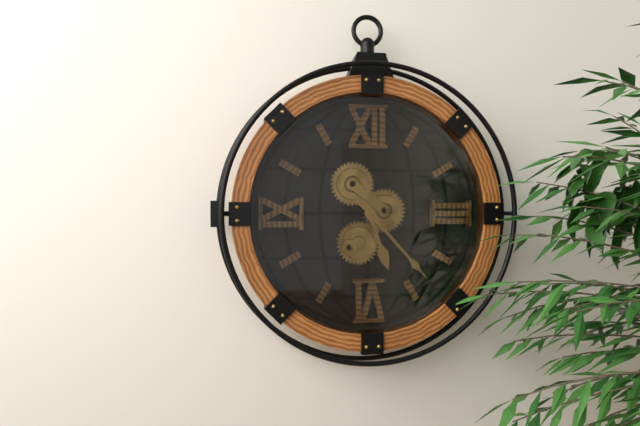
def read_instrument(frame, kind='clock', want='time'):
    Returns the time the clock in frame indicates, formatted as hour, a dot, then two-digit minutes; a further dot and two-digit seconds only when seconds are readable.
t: 5.23
